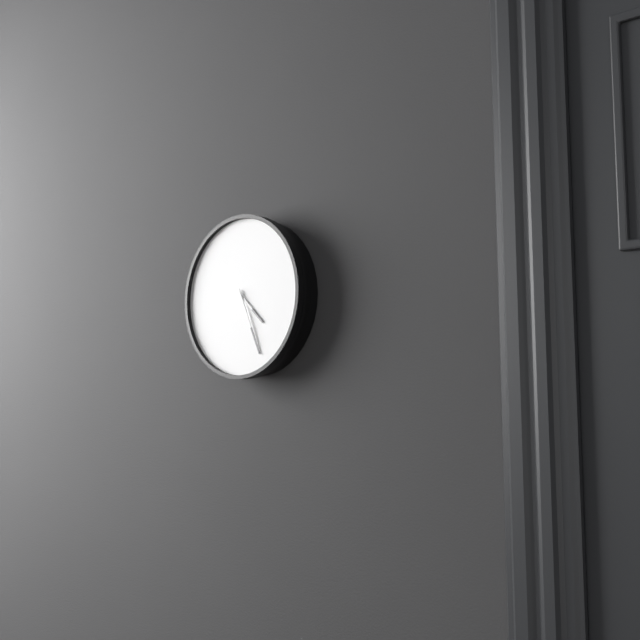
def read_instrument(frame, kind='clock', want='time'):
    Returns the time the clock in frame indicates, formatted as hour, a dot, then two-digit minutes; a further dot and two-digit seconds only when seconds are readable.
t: 4.26
